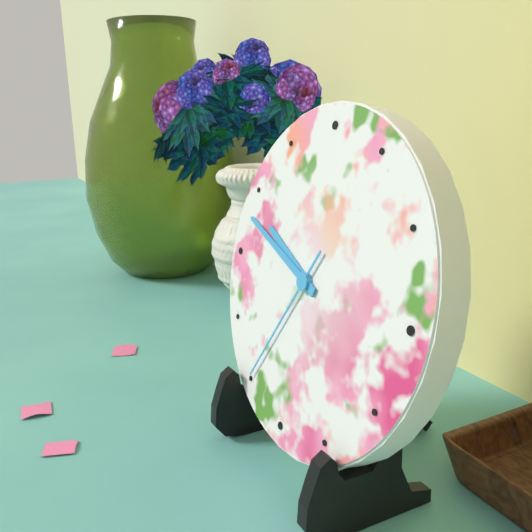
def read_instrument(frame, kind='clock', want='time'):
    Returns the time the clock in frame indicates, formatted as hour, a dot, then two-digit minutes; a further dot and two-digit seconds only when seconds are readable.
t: 9.48.35
